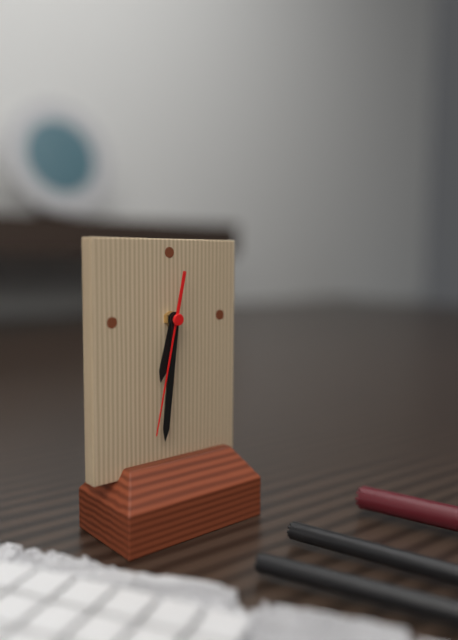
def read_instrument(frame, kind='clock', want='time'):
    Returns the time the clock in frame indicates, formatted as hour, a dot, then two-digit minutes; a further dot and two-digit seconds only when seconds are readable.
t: 6.31.32
